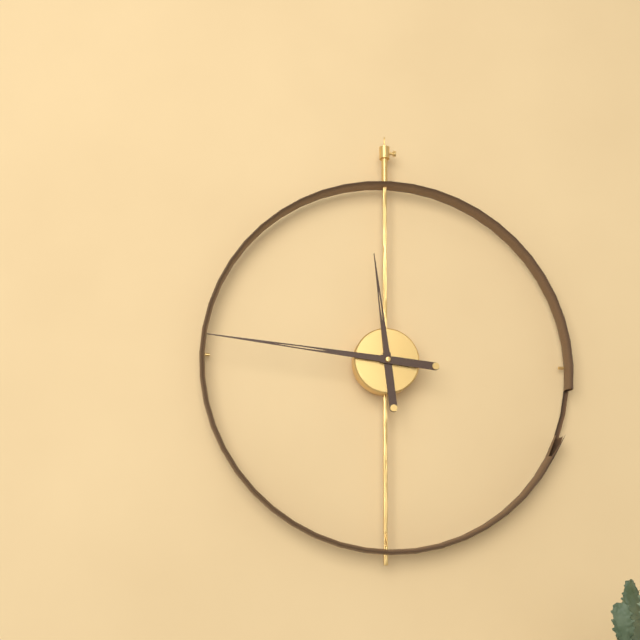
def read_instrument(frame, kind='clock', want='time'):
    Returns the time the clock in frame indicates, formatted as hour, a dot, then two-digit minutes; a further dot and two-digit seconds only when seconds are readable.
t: 11.46
